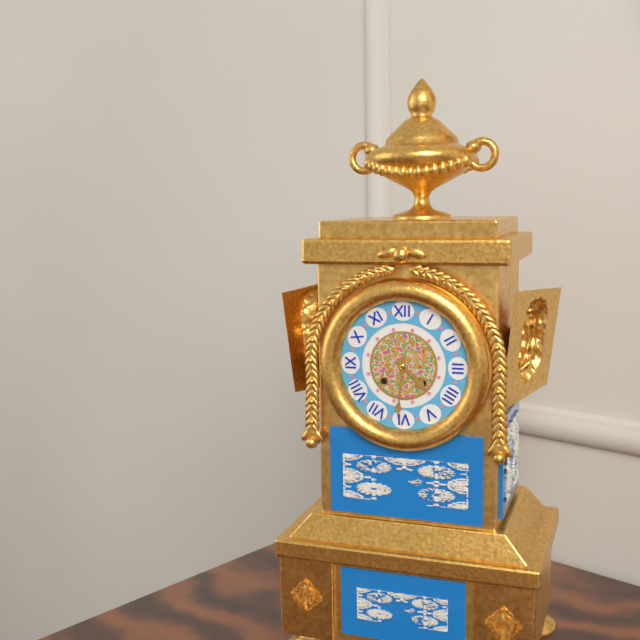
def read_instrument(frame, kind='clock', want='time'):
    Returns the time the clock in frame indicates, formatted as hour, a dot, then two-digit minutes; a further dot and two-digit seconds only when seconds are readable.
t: 4.31
